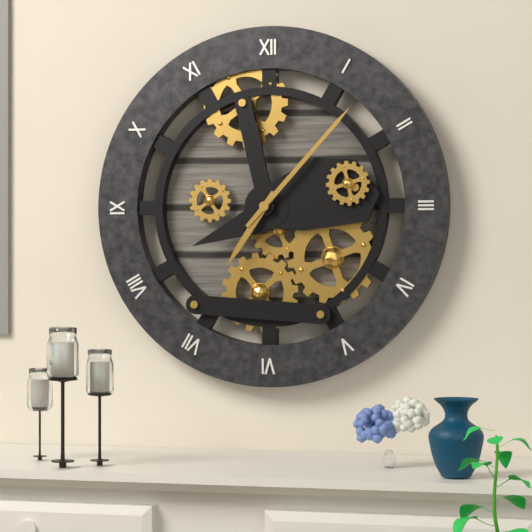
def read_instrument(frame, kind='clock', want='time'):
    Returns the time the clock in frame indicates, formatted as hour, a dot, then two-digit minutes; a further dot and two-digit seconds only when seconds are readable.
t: 7.07
